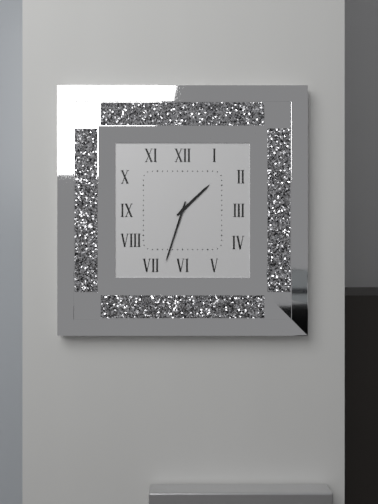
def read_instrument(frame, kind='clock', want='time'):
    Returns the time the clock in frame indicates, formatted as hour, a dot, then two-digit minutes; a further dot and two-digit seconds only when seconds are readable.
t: 1.33
